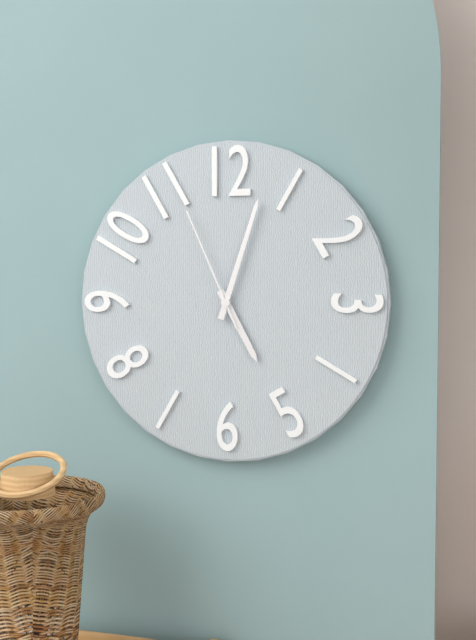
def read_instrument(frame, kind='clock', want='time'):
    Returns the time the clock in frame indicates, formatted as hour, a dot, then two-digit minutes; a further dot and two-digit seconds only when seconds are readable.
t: 5.03.56
